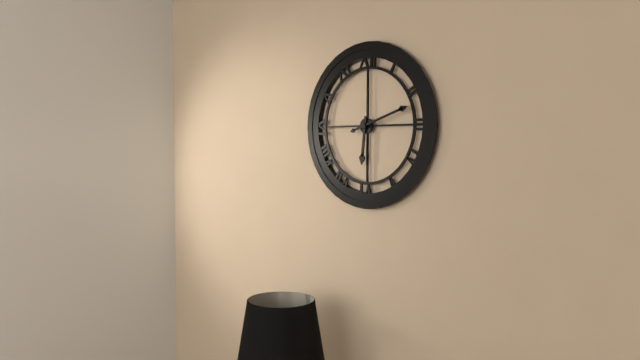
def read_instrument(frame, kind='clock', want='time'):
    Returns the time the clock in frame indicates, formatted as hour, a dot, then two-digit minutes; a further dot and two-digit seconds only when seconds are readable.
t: 6.12
